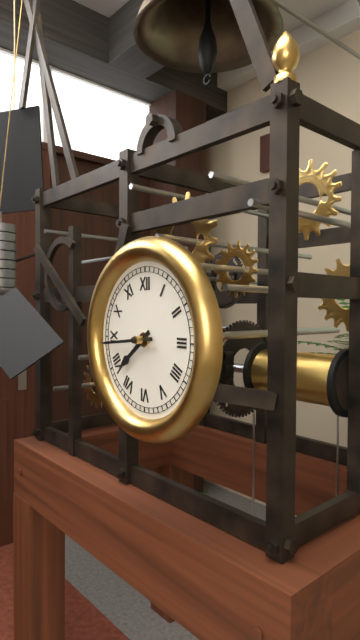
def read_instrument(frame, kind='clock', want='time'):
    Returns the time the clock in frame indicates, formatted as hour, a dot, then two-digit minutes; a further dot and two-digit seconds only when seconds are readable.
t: 7.44
